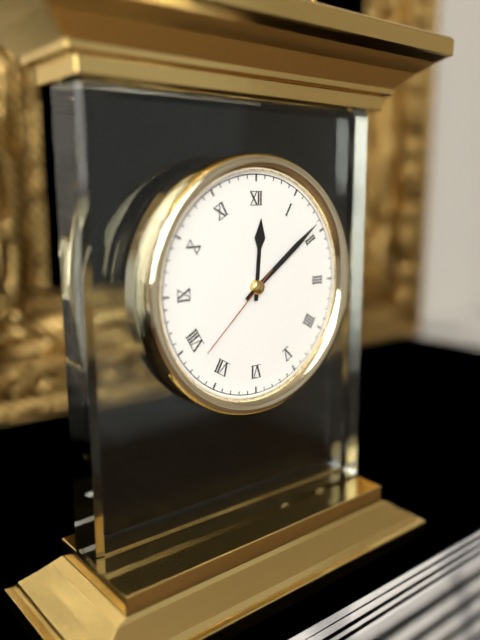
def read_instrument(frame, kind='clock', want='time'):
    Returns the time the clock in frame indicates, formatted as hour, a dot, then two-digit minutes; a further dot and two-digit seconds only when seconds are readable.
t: 12.09.38
